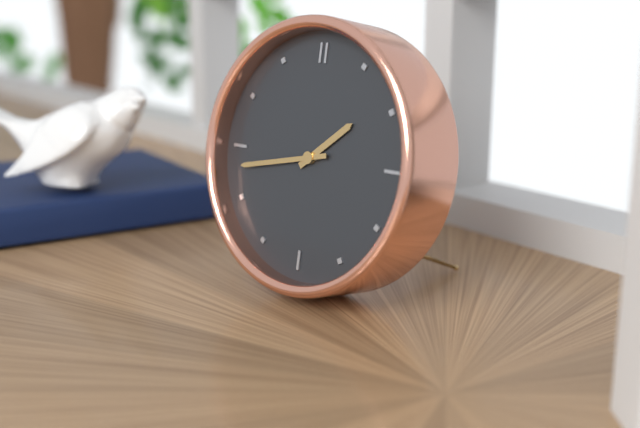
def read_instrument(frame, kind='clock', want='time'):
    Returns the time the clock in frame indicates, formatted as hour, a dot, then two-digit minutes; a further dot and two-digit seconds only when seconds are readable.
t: 1.43
